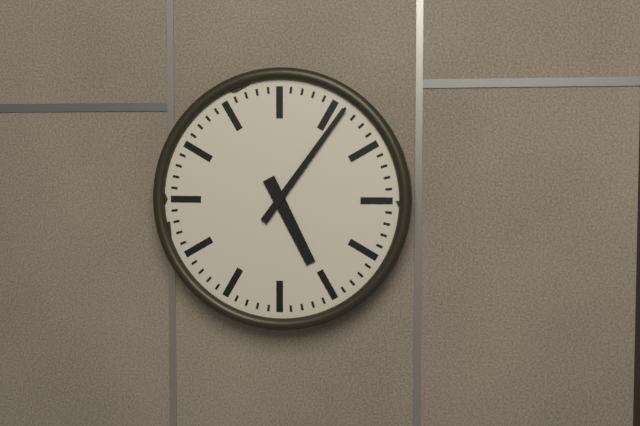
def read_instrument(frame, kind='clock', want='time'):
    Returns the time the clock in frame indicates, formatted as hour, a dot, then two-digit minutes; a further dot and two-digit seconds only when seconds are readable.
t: 5.06
